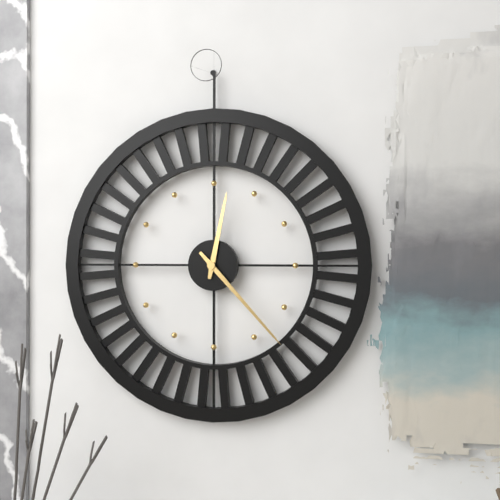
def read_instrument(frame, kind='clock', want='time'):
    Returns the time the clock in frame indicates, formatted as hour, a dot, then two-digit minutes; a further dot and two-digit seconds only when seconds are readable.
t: 12.23
